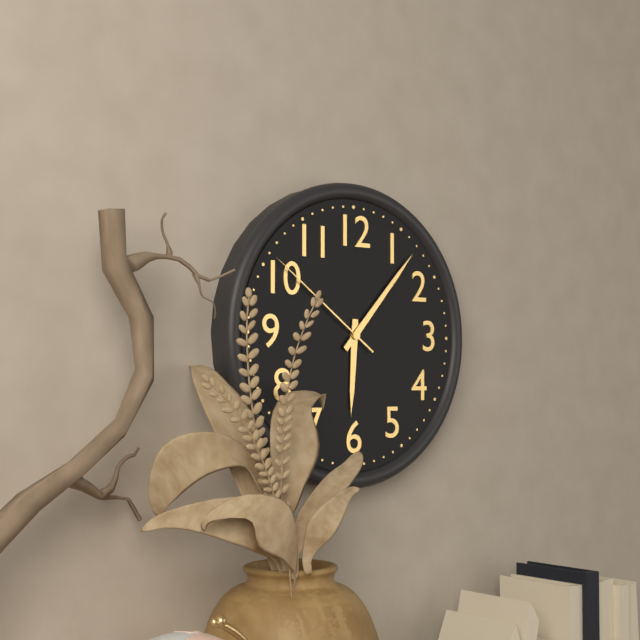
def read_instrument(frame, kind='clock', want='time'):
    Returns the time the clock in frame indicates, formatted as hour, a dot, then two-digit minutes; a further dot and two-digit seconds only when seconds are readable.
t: 6.07.51
